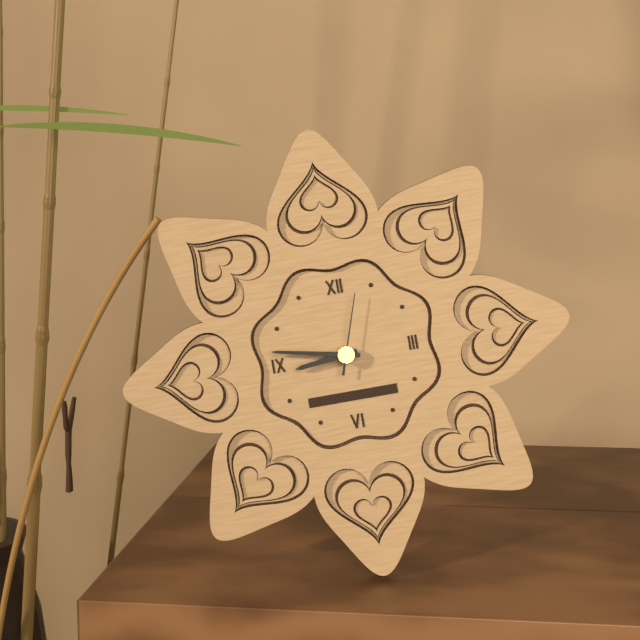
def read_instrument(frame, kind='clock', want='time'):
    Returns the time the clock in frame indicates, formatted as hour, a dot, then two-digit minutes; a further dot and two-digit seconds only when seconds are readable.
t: 8.47.03
